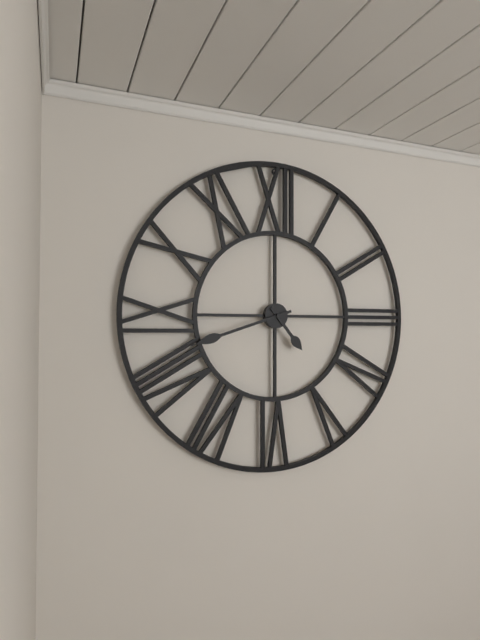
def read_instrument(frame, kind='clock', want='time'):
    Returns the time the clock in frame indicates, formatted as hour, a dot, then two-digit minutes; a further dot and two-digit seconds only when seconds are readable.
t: 4.42
